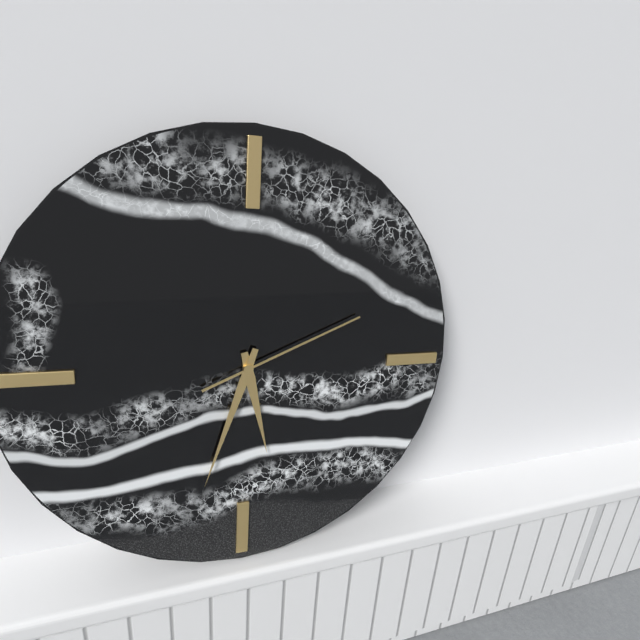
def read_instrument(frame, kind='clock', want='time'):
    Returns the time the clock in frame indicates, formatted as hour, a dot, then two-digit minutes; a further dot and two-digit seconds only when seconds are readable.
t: 5.33.11
